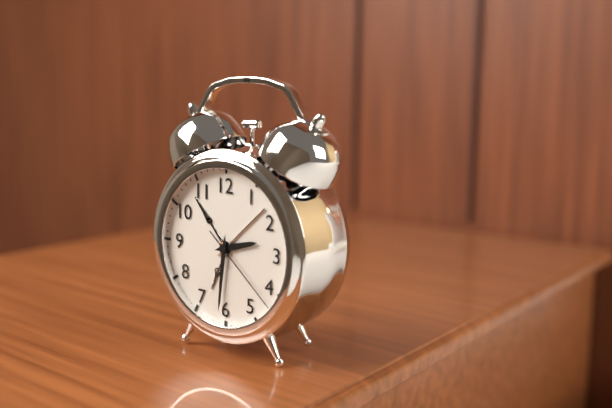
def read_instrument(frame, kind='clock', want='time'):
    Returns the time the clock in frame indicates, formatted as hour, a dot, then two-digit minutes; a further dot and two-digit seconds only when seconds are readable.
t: 2.31.22
